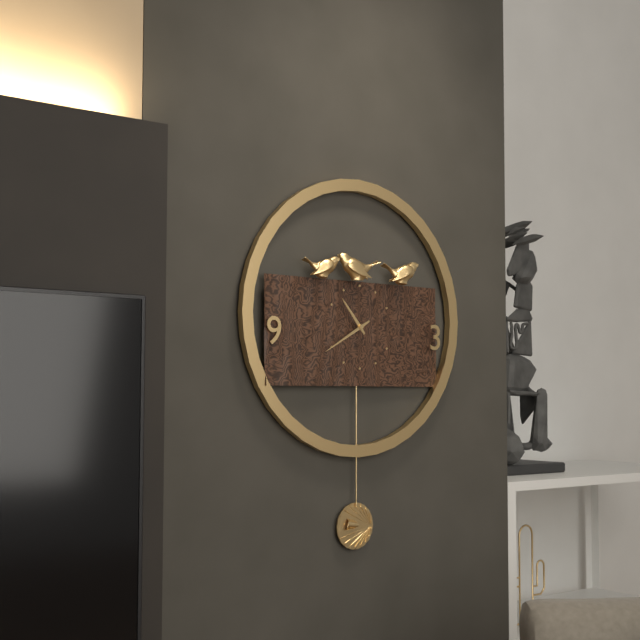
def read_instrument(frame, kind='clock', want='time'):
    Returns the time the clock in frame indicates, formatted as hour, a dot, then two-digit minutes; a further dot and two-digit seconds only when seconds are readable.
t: 10.40
